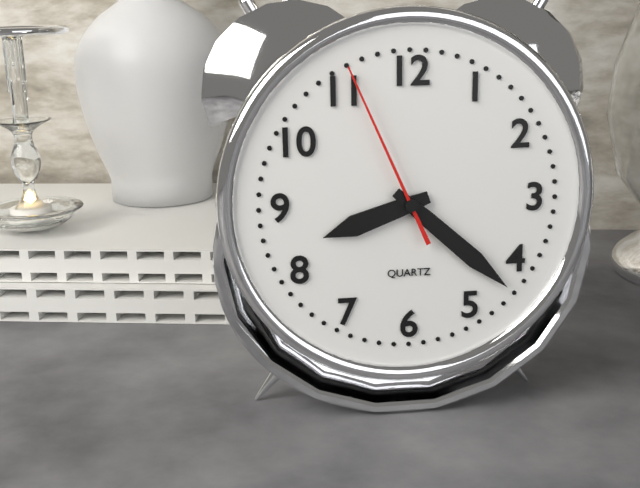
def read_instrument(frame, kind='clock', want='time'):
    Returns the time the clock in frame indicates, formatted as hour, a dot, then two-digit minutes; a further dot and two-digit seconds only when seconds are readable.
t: 8.22.56
